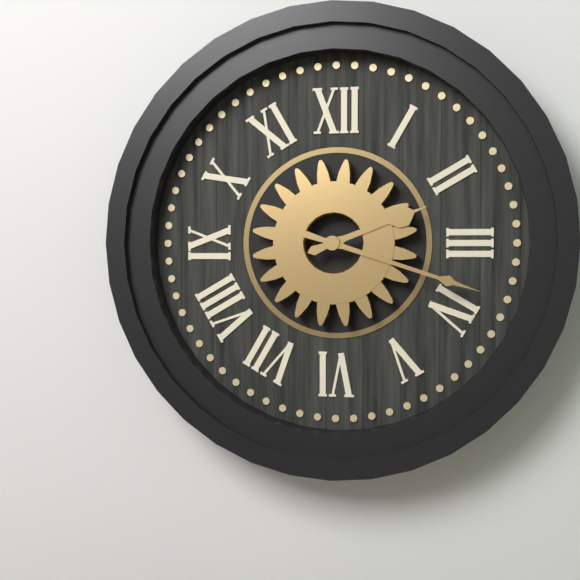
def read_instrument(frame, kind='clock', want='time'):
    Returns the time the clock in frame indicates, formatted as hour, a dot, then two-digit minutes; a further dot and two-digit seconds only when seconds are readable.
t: 2.18
